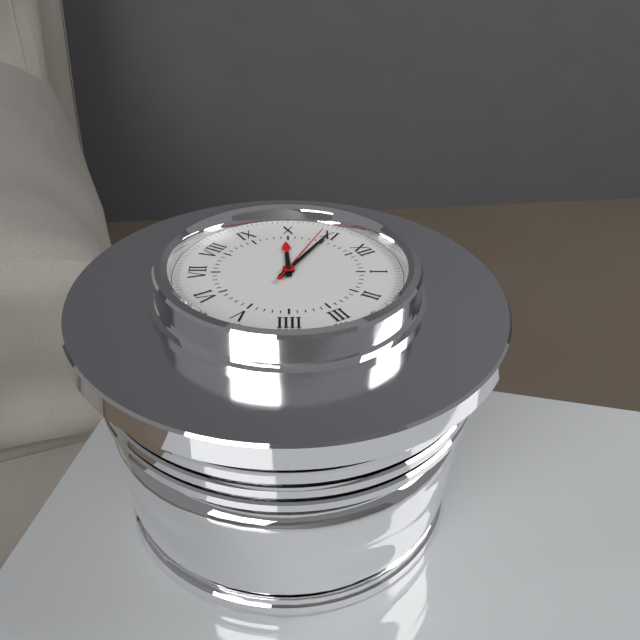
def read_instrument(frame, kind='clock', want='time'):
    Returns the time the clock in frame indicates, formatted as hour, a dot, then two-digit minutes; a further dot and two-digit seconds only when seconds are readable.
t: 9.55.54
